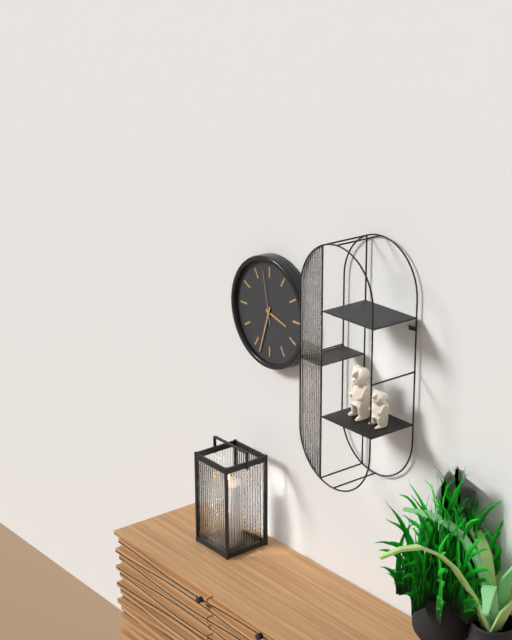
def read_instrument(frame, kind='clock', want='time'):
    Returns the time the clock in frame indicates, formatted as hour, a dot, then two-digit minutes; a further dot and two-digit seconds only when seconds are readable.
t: 3.33.58
